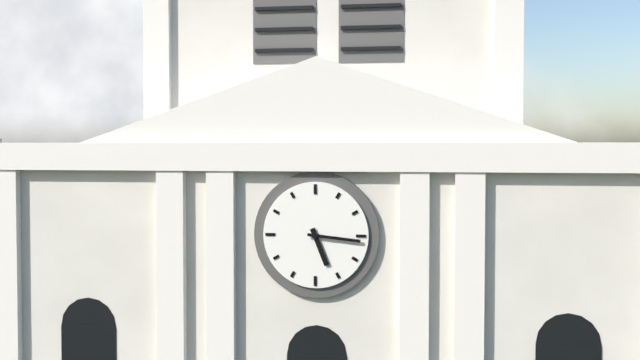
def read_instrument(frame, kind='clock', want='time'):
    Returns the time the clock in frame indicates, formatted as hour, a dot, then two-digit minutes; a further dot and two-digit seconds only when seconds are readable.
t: 5.16
